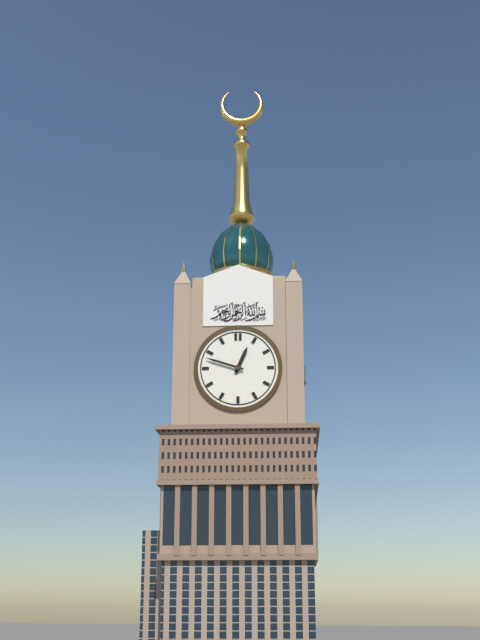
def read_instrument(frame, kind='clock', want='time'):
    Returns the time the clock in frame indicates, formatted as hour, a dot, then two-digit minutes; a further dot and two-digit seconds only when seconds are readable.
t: 12.48
